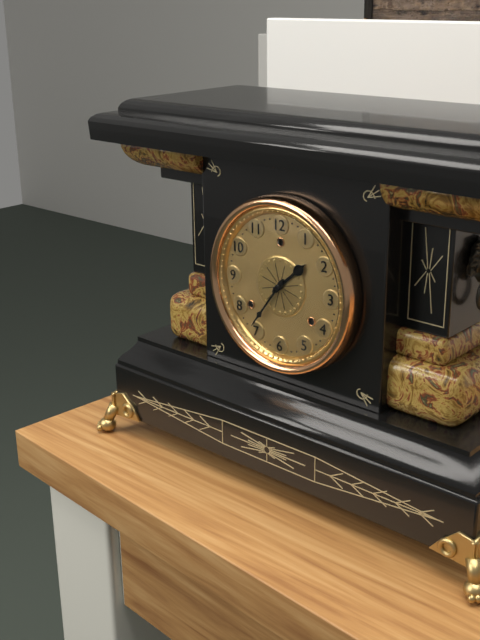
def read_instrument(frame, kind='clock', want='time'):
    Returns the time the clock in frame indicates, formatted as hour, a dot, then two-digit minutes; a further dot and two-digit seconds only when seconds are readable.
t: 1.36
